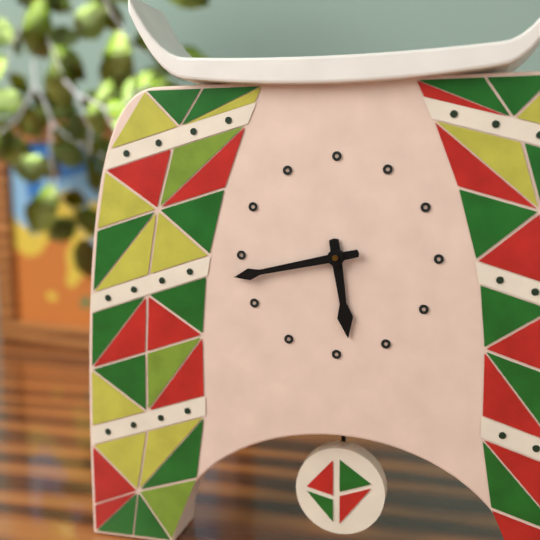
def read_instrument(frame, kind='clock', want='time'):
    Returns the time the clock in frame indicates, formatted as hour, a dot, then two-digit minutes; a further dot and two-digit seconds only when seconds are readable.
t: 5.43
